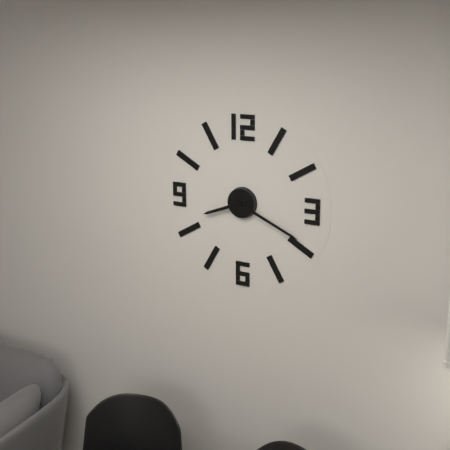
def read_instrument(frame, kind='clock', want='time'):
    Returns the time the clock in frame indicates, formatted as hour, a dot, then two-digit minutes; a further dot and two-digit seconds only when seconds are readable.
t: 8.19
